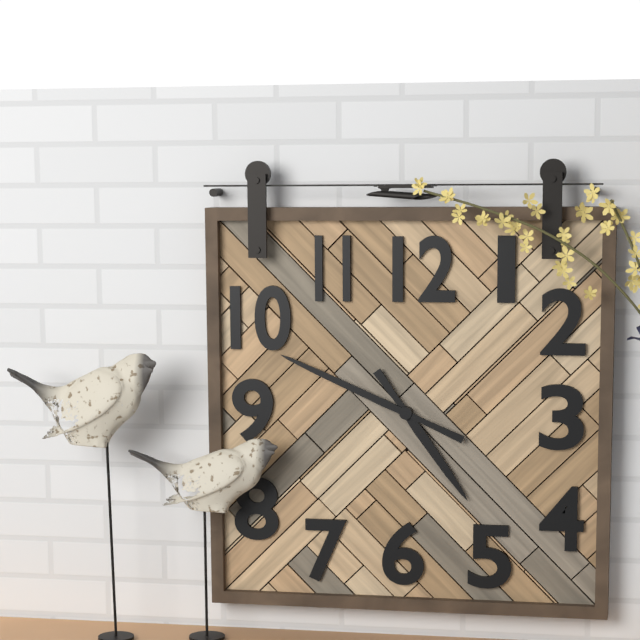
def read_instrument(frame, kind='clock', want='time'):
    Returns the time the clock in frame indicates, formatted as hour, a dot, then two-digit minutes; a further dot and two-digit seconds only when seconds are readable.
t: 4.49
